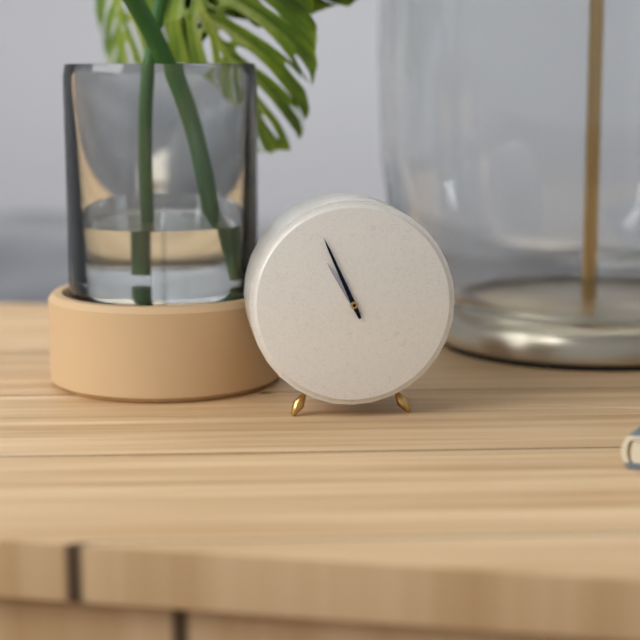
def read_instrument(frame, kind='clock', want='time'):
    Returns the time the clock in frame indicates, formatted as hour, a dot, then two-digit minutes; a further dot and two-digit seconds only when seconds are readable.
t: 10.56
